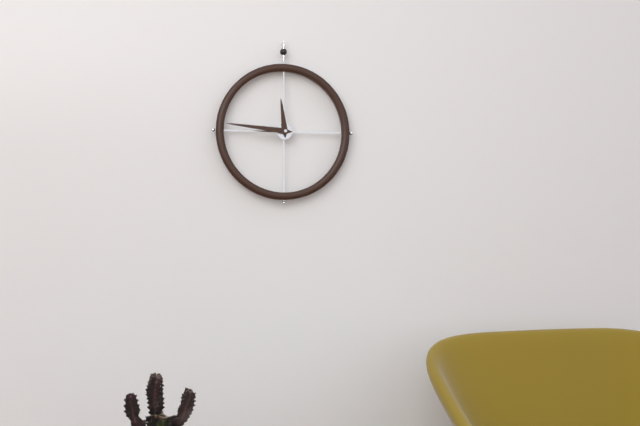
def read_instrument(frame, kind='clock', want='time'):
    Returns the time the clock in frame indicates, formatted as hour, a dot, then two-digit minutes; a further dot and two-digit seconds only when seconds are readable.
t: 11.46
